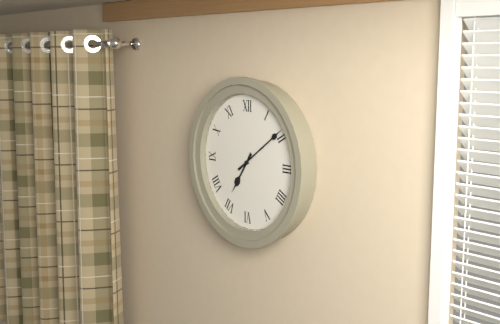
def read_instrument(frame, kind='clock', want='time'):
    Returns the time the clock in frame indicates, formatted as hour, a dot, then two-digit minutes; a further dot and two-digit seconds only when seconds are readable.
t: 7.09
